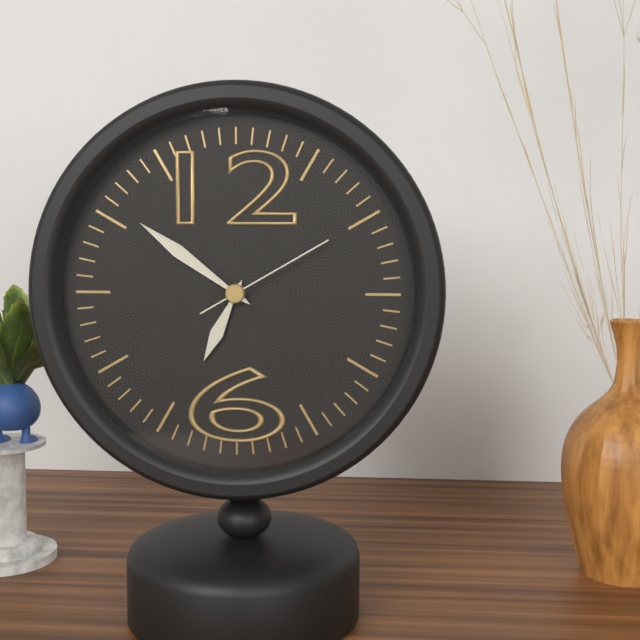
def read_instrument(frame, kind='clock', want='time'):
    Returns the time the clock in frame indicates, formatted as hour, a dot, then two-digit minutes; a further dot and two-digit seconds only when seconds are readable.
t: 6.51.10
